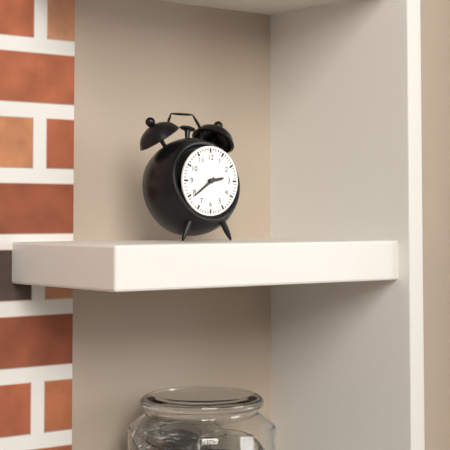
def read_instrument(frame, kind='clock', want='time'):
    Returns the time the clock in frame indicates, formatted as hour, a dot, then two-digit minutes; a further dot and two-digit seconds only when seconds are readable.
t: 2.39
